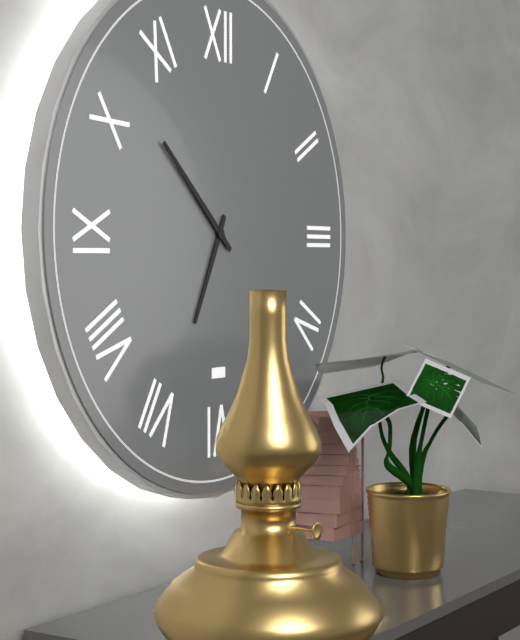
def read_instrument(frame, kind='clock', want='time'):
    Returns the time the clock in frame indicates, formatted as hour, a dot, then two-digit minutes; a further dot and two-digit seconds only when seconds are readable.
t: 6.52
